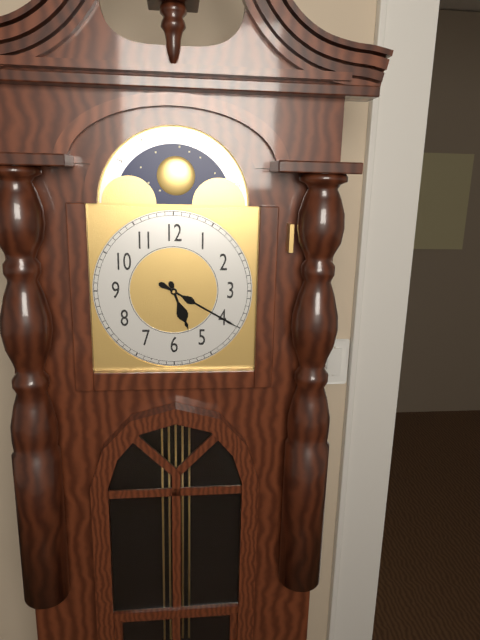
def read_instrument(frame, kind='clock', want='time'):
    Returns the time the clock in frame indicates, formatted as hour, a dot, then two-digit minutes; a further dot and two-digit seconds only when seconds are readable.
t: 5.20
